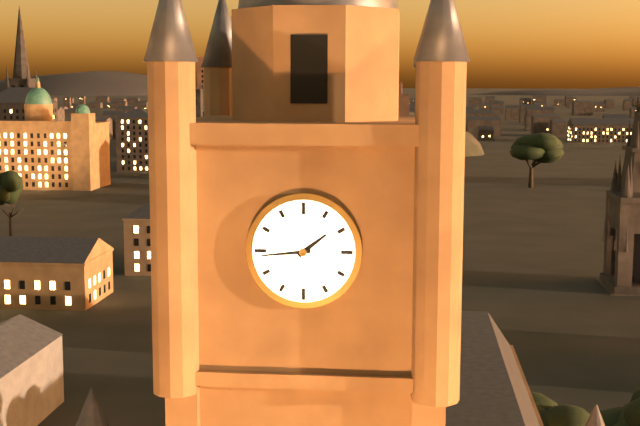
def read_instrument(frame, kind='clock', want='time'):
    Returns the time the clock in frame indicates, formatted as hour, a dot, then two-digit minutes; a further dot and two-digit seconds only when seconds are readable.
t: 1.44
